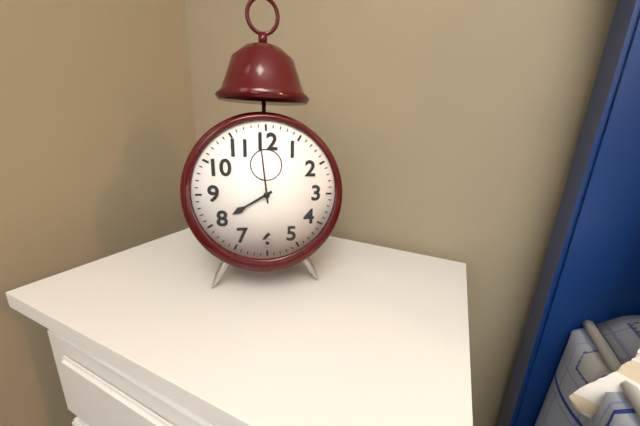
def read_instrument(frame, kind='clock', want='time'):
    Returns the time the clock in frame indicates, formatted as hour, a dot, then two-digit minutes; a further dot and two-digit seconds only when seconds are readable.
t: 7.59
